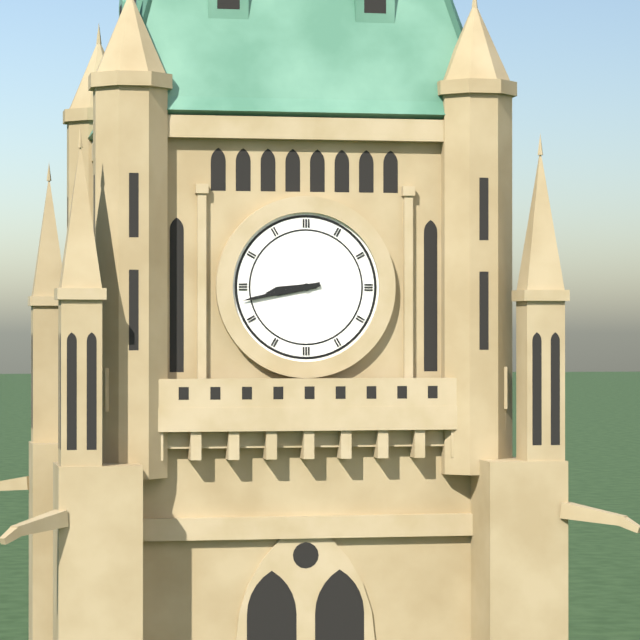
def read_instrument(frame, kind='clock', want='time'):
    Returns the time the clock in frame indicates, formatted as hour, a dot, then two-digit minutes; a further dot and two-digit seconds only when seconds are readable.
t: 8.43
